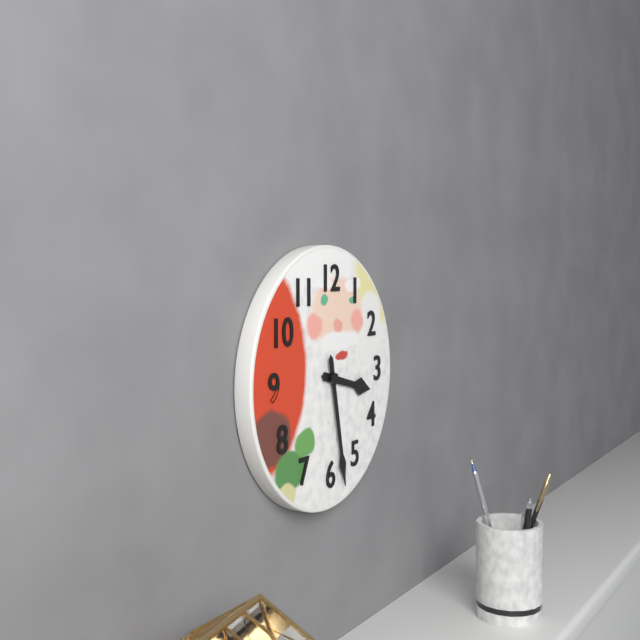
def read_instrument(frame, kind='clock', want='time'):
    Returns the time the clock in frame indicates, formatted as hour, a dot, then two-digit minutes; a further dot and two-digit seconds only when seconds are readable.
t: 3.28
